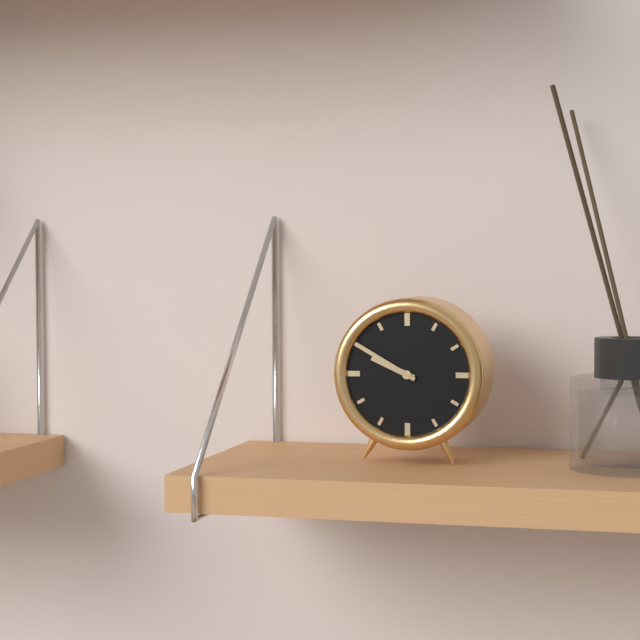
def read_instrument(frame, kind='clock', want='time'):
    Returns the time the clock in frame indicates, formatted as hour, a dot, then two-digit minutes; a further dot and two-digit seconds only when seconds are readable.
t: 9.50
